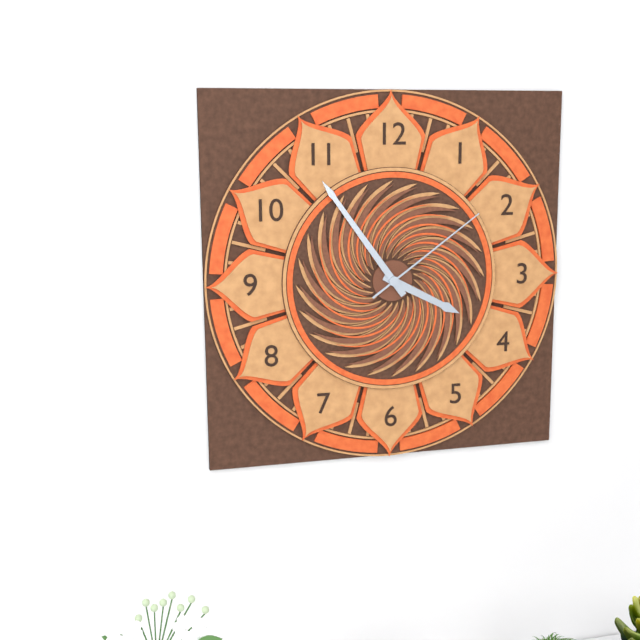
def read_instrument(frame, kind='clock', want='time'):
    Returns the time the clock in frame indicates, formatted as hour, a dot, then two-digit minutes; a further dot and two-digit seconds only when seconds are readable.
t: 3.54.09
